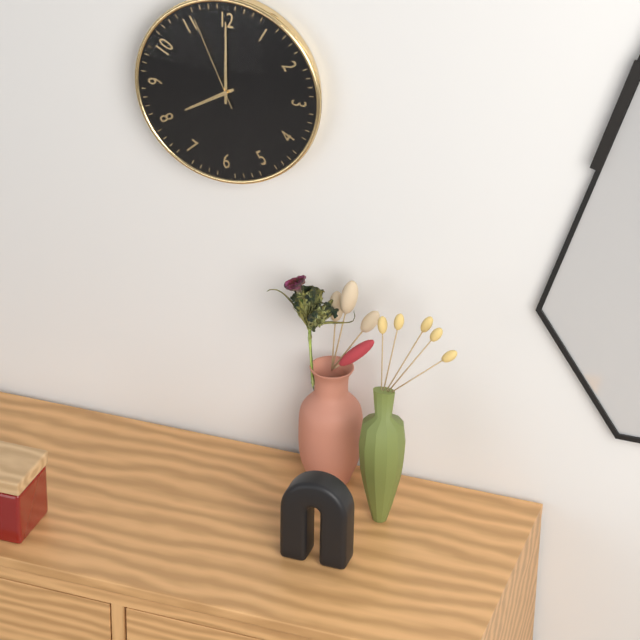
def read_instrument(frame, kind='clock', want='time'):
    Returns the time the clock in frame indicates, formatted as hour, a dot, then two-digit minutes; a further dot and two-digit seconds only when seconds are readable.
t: 8.00.56
